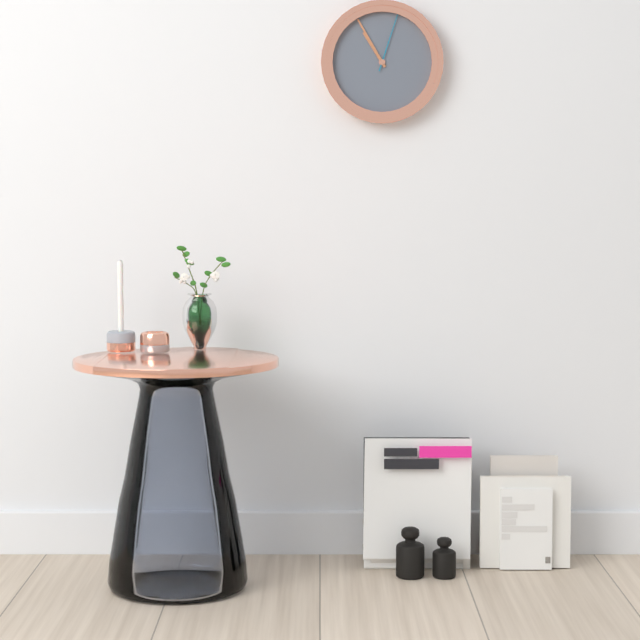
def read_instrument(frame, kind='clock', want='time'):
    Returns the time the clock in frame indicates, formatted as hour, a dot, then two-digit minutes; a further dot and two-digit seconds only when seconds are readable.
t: 10.55.03
